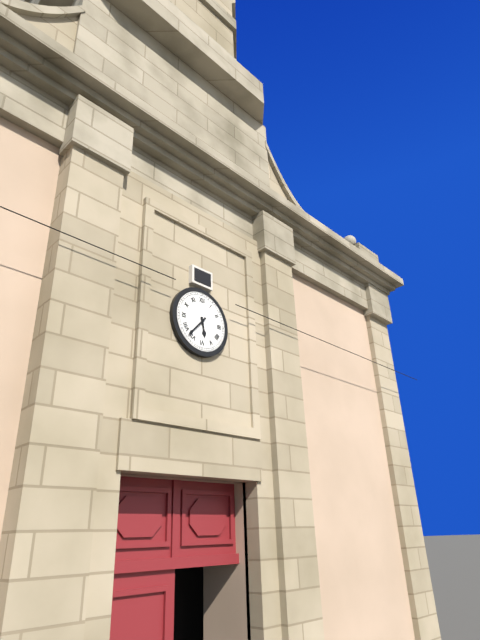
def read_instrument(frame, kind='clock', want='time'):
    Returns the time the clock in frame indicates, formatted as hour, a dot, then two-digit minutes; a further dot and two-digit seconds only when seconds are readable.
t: 5.37
